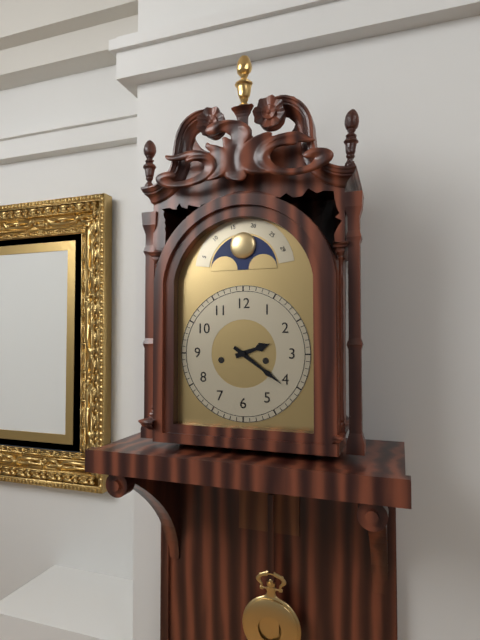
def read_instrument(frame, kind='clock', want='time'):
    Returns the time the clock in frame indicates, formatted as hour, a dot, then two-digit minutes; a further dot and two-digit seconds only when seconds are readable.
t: 2.21
